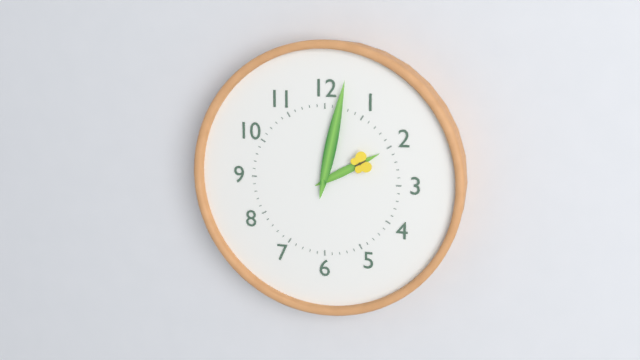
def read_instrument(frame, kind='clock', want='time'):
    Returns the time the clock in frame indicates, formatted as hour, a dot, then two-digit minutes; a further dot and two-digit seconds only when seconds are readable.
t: 2.02
